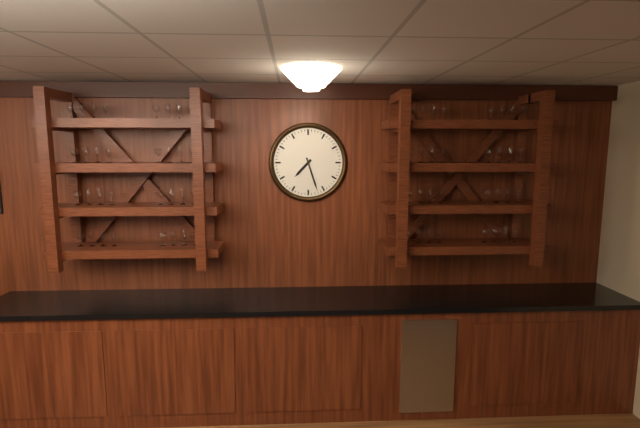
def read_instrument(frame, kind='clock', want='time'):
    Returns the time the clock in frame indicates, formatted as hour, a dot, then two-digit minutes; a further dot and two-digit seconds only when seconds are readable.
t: 7.27
